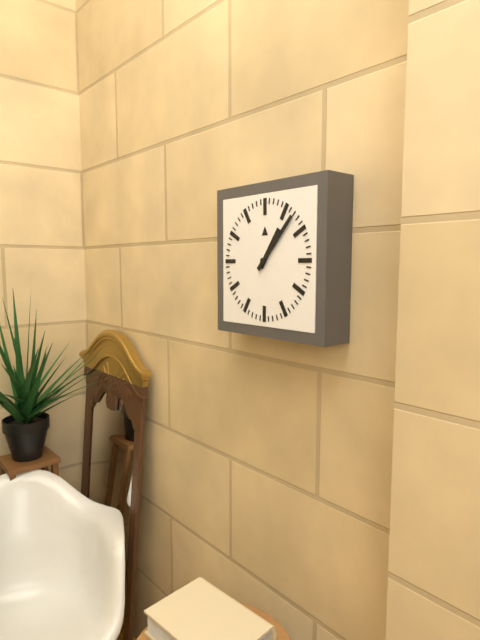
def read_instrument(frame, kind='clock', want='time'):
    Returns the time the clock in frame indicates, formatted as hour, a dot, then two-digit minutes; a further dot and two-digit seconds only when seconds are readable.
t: 1.07
